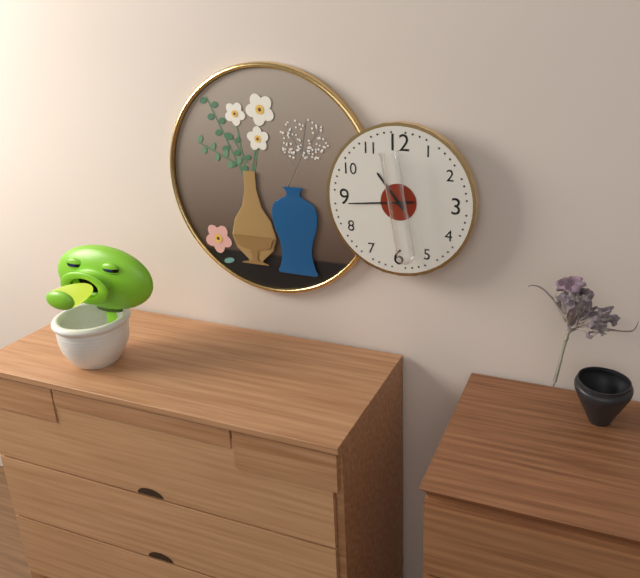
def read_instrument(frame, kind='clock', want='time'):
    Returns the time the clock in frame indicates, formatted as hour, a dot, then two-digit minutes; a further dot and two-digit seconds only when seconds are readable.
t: 10.44
